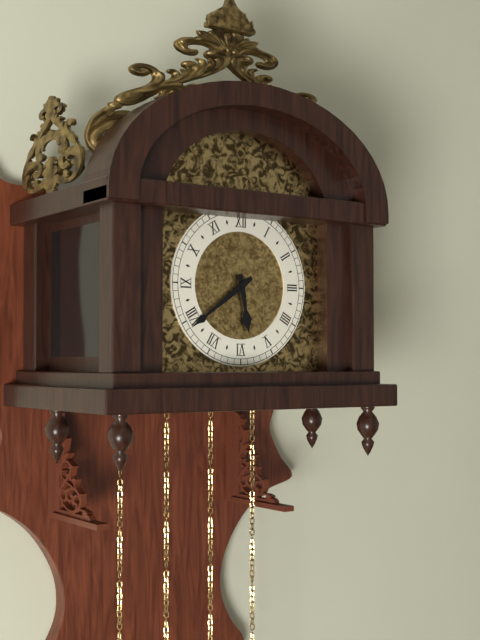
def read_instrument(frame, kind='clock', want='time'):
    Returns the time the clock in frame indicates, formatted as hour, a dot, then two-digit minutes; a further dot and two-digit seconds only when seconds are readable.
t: 5.39
